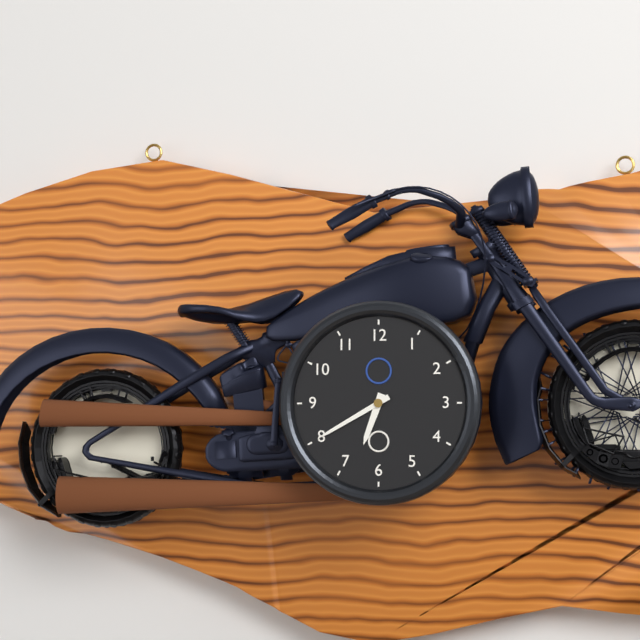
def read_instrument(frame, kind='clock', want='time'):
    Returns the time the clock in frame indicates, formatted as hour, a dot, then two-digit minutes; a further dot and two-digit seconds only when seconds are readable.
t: 6.40
